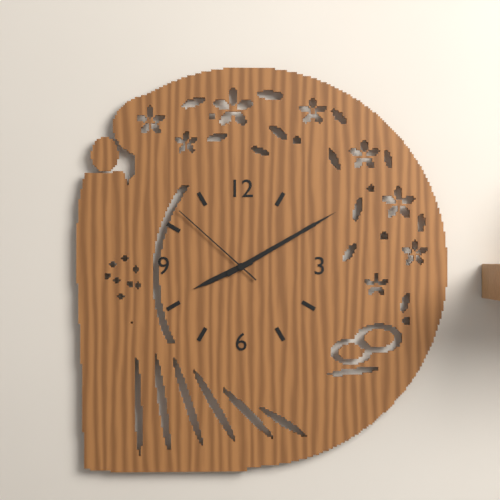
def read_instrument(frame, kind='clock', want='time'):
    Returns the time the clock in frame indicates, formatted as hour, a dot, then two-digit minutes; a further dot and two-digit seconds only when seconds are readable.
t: 8.10.52
